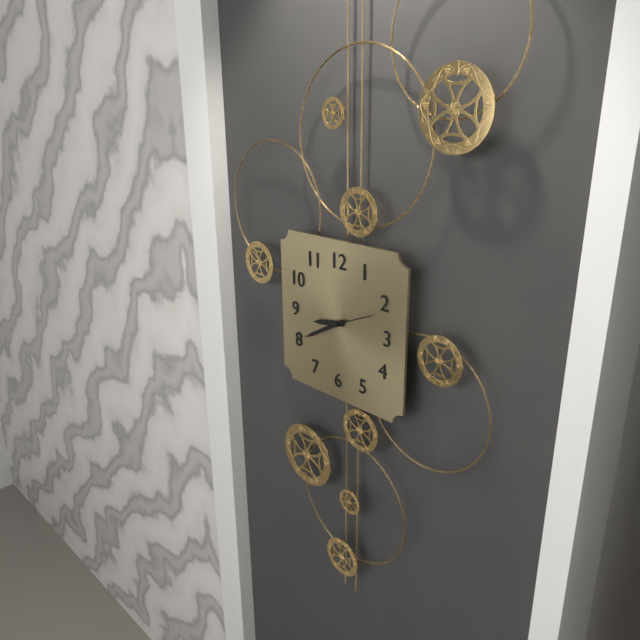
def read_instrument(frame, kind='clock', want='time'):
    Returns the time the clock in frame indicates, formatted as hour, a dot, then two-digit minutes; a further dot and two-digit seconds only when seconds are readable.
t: 8.40
